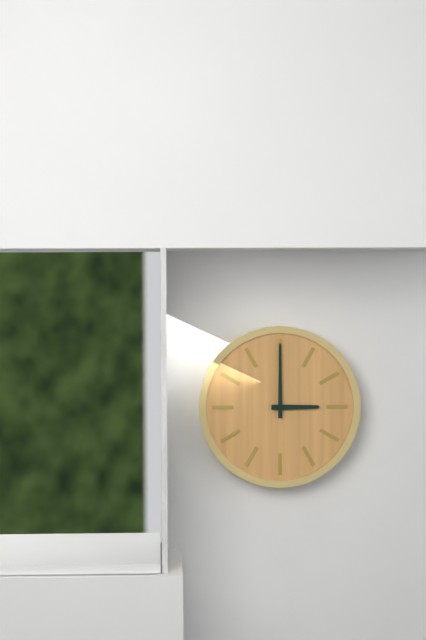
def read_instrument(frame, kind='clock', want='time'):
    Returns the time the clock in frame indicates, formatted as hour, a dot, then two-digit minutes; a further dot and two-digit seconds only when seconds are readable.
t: 3.00
